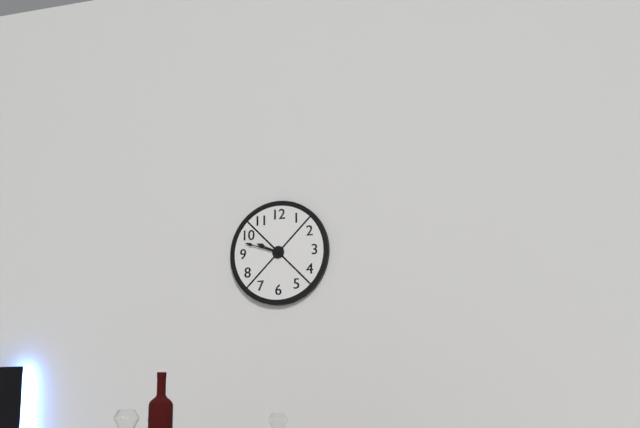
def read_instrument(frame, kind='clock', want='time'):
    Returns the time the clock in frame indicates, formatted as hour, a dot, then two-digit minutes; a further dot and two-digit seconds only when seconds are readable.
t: 9.48
